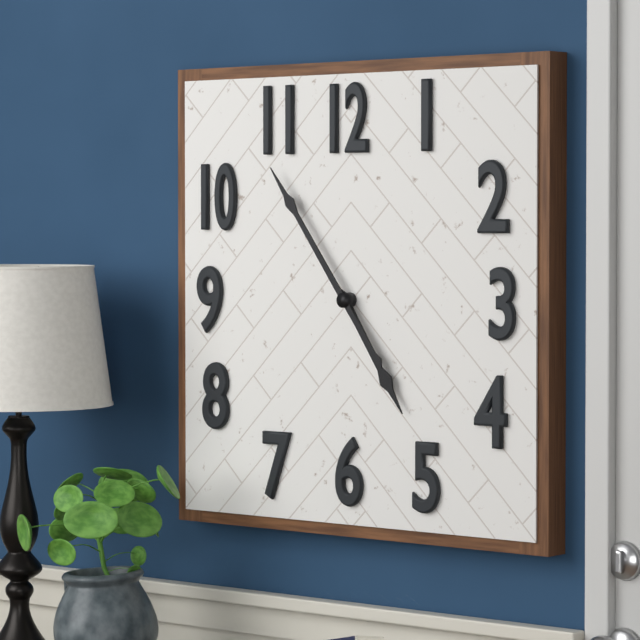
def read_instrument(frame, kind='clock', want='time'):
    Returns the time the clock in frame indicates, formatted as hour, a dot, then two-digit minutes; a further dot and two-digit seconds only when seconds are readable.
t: 4.54
